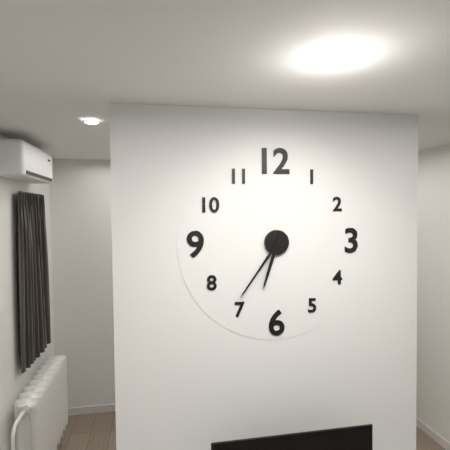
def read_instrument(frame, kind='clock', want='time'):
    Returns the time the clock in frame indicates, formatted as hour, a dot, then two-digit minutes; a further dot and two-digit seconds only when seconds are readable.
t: 6.36
